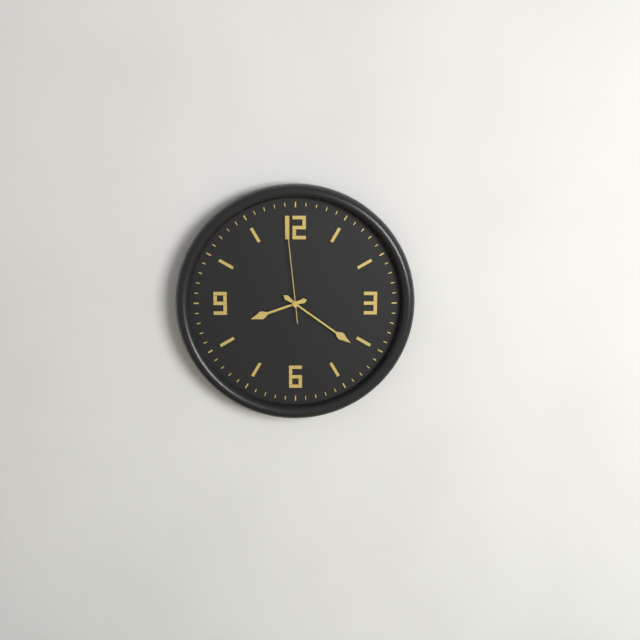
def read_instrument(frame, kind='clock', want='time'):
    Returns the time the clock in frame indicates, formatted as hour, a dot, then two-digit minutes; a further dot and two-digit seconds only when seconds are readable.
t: 8.21.59
